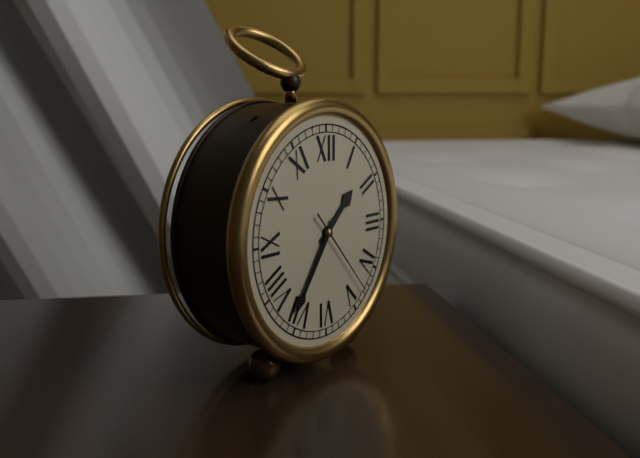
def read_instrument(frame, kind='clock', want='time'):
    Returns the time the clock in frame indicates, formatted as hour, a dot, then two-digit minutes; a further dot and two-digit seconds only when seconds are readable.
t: 1.36.23
